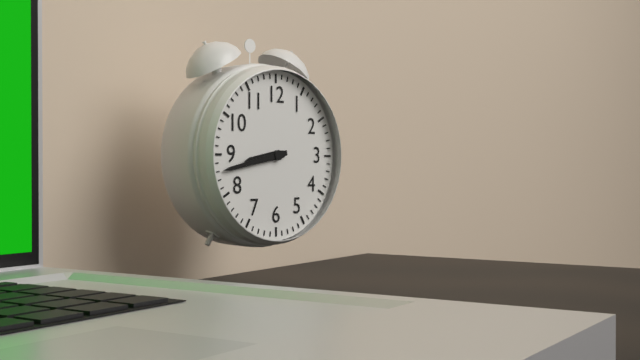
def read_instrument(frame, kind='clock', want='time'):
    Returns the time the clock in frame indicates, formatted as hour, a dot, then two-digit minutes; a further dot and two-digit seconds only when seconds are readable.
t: 8.43
